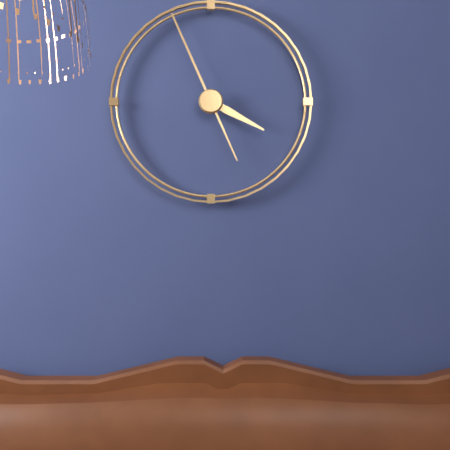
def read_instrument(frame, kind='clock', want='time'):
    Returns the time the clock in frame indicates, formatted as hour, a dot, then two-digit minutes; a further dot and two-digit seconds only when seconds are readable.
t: 3.56
